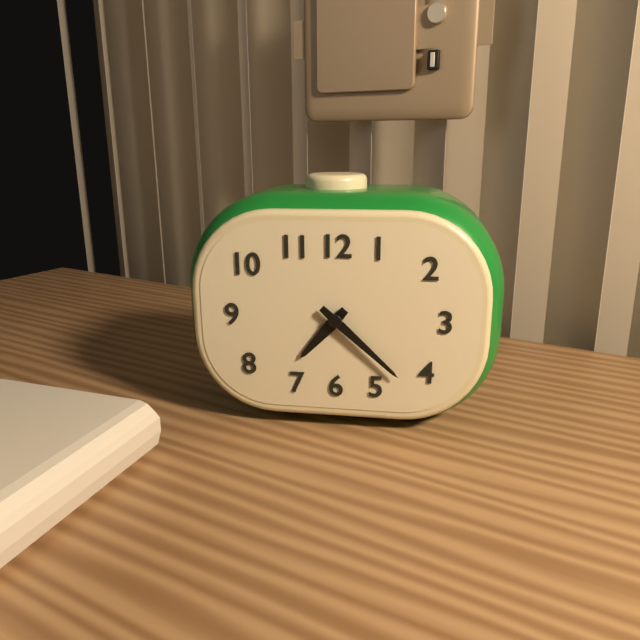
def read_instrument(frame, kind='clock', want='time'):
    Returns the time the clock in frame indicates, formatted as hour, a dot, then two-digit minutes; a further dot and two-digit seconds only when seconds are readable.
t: 7.22
